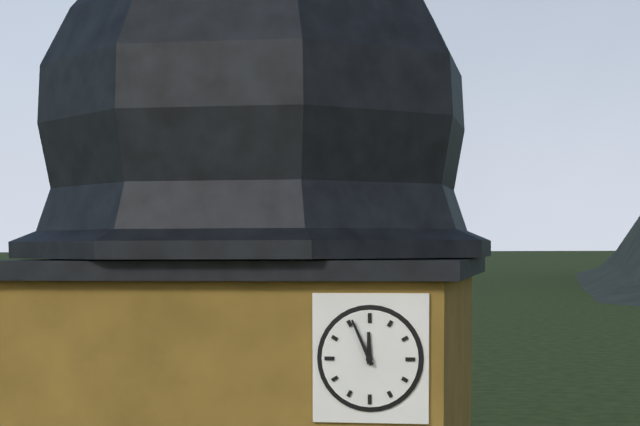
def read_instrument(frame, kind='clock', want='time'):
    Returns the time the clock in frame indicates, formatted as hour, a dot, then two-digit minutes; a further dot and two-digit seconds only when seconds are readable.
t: 11.56
